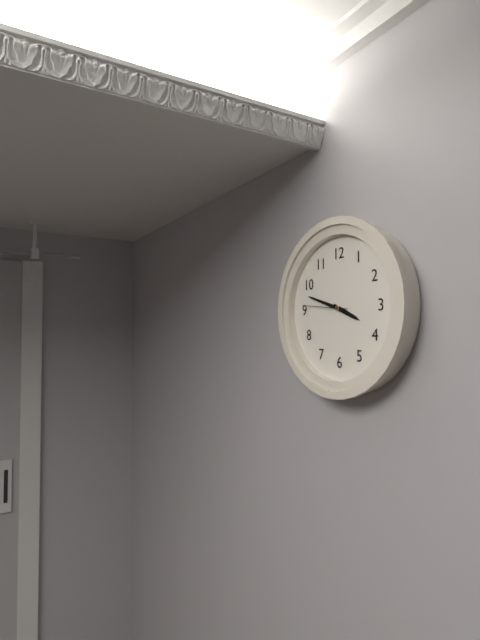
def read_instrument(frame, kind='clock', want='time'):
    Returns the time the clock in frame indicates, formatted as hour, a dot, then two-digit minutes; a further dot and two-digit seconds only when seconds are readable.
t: 3.48
